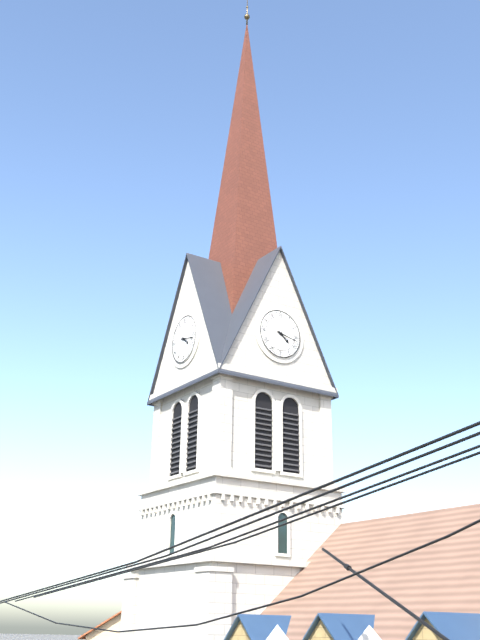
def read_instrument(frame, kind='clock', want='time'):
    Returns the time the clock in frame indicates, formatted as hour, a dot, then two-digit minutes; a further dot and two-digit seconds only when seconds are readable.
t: 4.17
